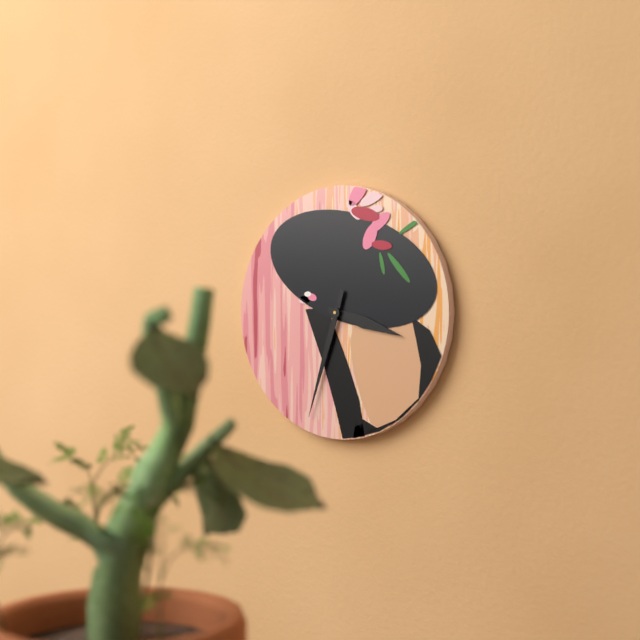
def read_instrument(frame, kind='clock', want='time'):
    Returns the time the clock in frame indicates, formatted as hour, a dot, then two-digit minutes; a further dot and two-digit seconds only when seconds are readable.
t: 3.33
